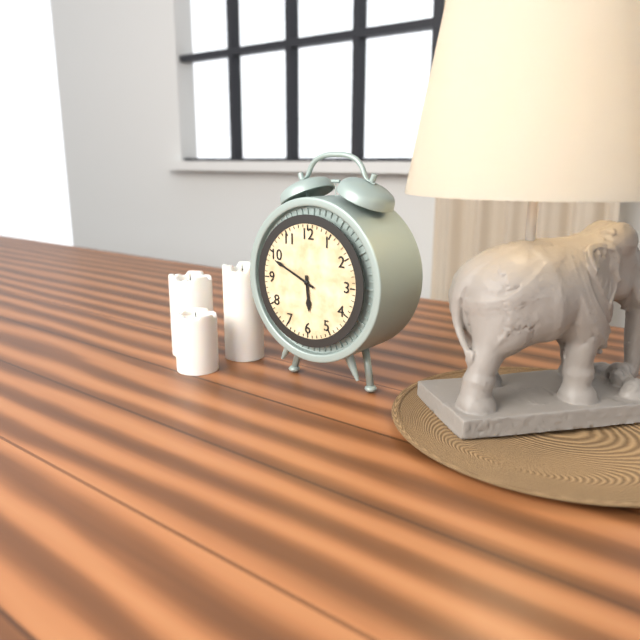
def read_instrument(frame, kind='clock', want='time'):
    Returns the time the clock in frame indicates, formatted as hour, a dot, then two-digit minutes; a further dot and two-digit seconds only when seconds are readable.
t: 5.49
